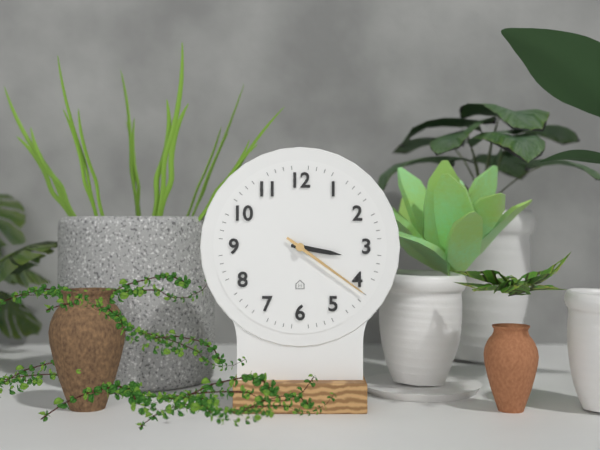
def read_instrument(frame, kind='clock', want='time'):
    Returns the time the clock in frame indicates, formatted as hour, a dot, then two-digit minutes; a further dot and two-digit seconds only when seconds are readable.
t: 3.21
